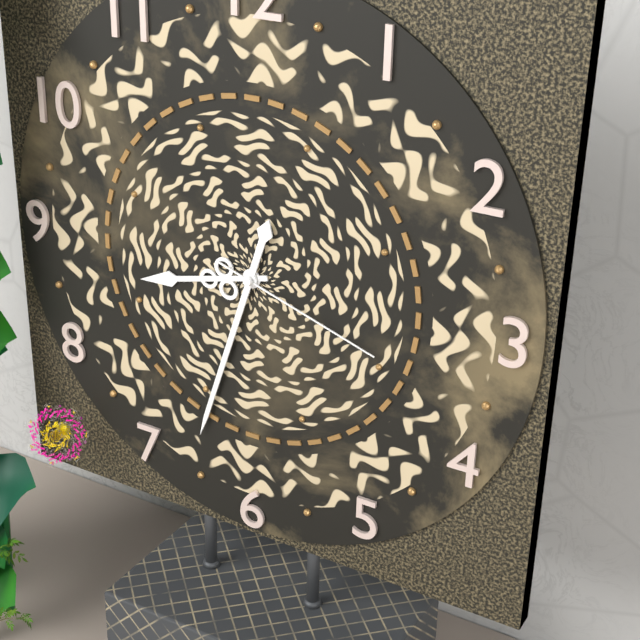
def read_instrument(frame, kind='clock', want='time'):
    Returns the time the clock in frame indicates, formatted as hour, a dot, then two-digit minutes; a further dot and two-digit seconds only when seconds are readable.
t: 8.33.18
